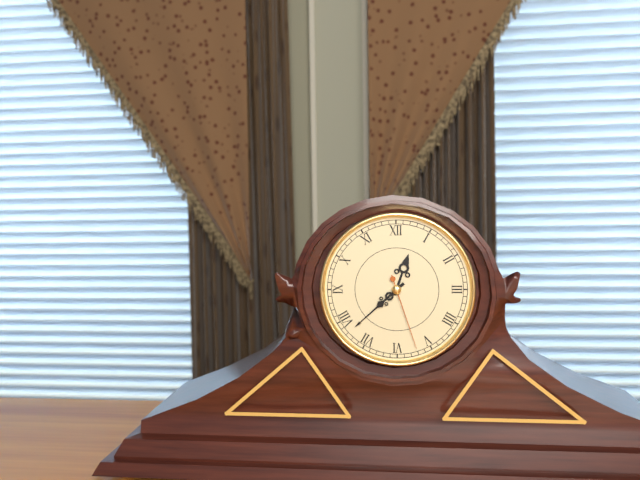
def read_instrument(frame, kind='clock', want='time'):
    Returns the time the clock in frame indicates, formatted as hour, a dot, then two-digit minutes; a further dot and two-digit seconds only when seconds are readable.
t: 12.38.27
